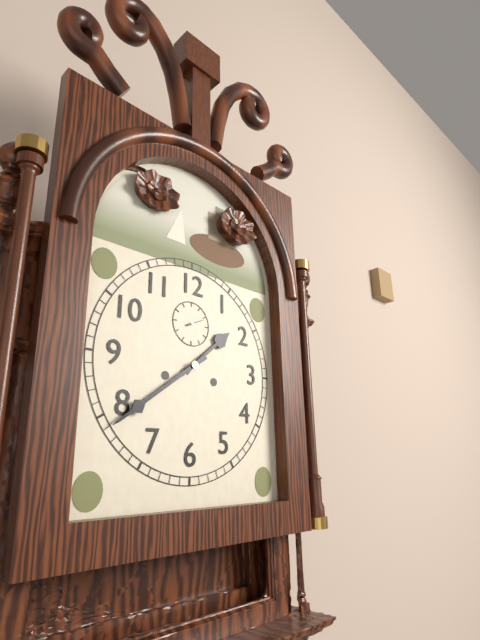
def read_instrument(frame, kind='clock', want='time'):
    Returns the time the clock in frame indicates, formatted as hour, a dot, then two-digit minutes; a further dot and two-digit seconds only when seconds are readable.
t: 1.39
